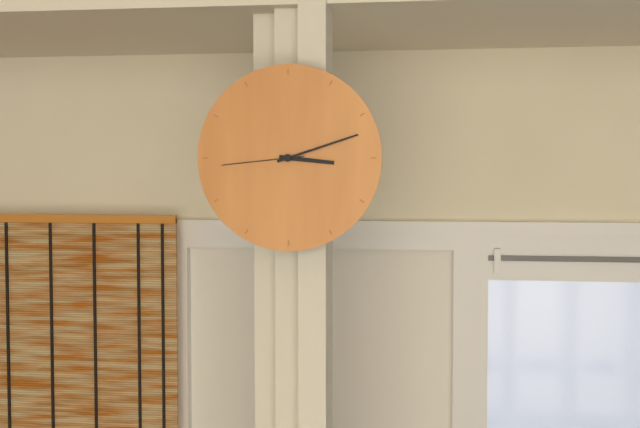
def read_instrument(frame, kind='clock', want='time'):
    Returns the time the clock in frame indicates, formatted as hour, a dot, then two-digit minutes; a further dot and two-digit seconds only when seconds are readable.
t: 3.12.44
